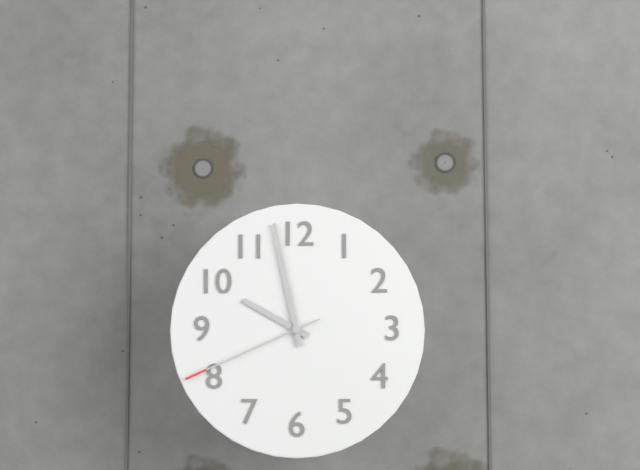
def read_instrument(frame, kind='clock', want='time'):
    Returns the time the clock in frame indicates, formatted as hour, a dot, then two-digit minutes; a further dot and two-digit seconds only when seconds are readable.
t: 9.58.41
